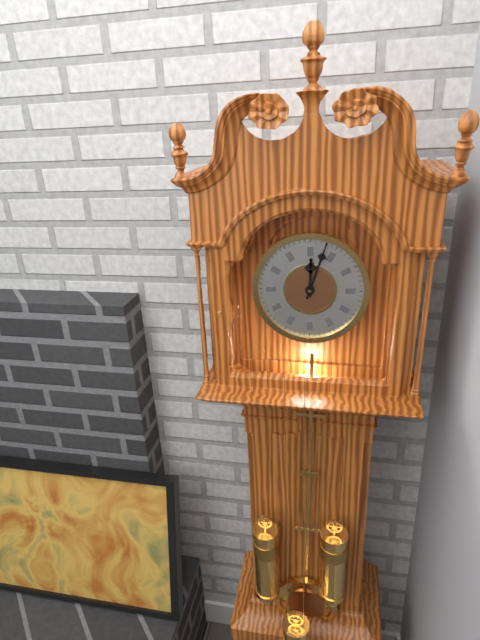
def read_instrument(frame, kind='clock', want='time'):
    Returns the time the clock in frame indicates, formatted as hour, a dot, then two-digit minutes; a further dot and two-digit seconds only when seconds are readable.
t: 12.03
